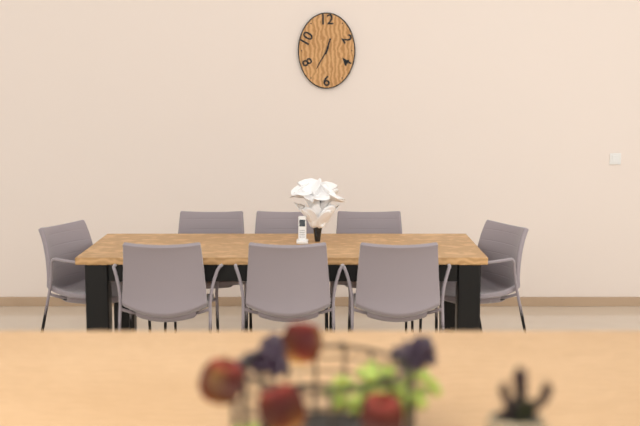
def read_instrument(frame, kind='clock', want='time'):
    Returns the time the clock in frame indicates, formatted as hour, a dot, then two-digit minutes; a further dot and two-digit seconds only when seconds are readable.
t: 12.35
